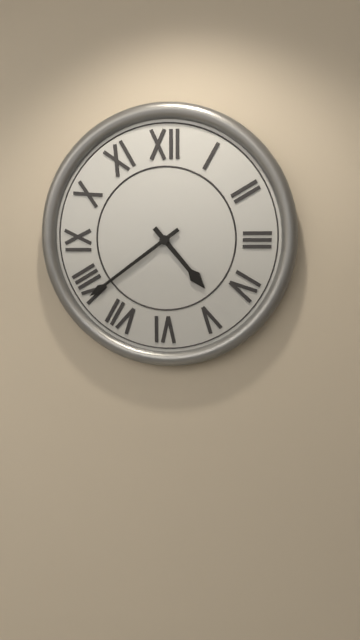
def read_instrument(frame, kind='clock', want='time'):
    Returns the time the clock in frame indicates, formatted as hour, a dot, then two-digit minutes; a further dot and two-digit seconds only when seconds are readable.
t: 4.39
